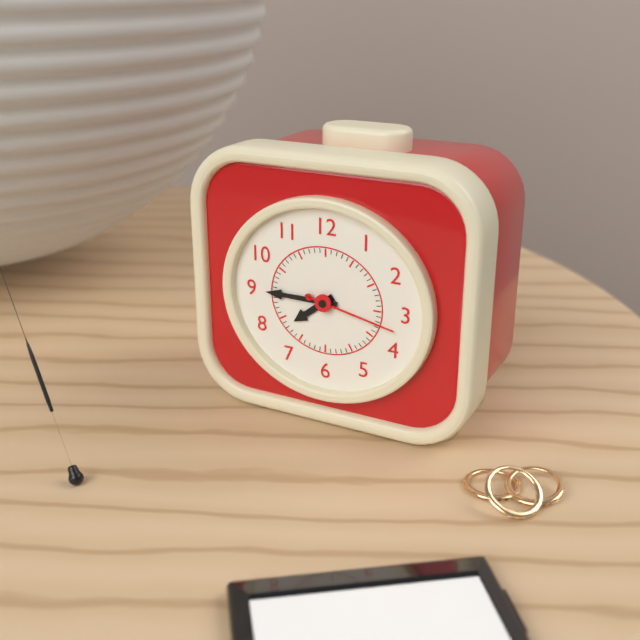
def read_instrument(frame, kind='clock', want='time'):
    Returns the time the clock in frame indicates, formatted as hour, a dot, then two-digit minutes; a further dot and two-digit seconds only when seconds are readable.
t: 7.45.17
